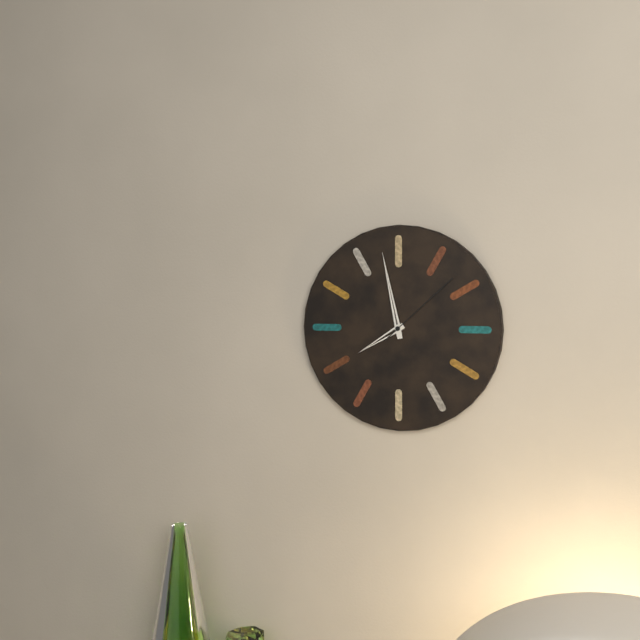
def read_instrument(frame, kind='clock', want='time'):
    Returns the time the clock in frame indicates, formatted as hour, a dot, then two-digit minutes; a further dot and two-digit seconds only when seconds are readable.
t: 7.58.08
